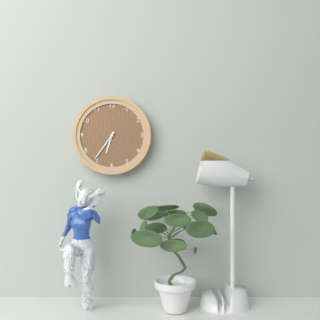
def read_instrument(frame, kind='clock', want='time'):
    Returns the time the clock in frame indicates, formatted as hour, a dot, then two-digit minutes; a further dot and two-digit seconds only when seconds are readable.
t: 6.36
